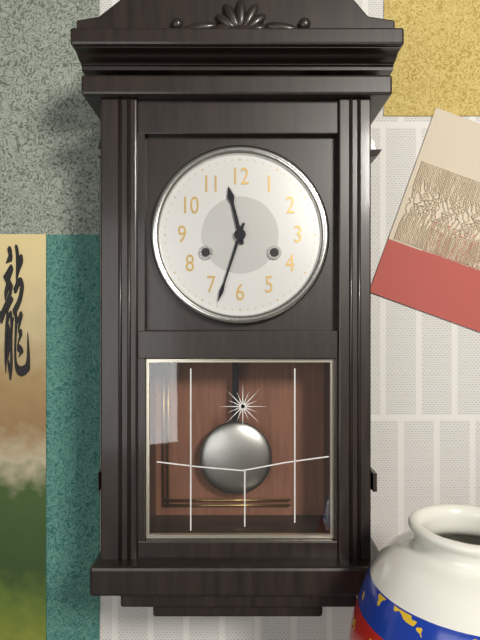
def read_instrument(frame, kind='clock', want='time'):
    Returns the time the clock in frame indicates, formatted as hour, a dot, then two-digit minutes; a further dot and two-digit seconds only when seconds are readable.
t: 11.33
